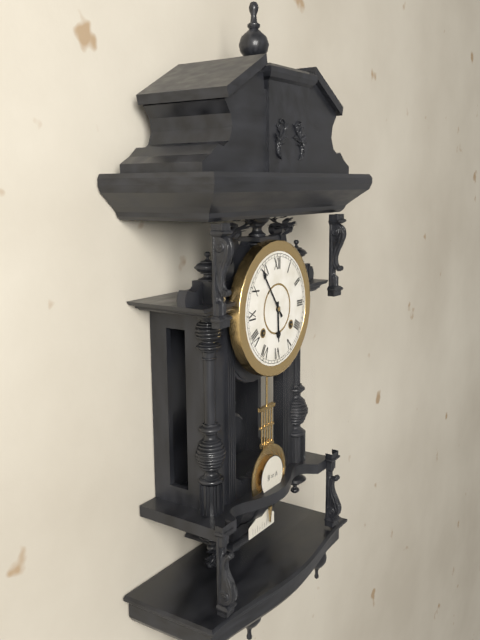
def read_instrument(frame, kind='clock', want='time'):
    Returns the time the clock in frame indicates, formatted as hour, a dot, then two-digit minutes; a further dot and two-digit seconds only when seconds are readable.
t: 5.54
